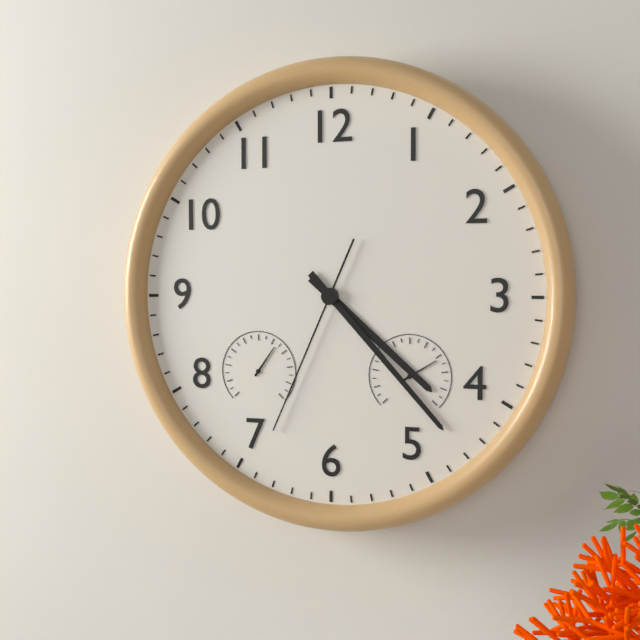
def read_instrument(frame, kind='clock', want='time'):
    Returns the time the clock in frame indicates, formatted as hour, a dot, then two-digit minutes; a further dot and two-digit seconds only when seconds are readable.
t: 4.23.34
